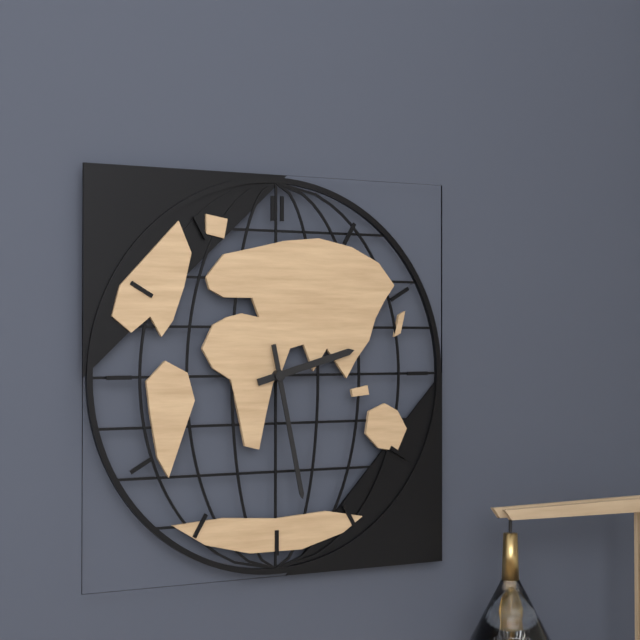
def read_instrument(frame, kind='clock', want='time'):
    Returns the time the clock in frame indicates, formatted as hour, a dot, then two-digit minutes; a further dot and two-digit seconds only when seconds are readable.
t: 2.28
